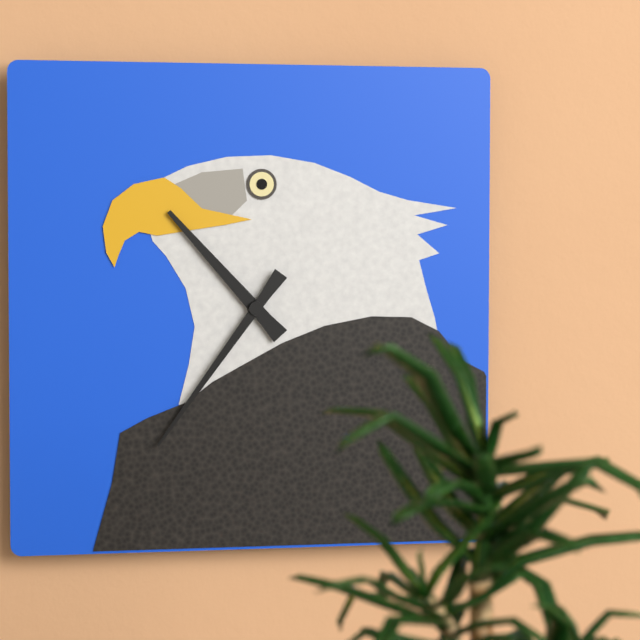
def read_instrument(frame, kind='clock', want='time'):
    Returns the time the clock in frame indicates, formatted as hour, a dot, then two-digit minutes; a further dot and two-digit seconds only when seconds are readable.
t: 10.36
